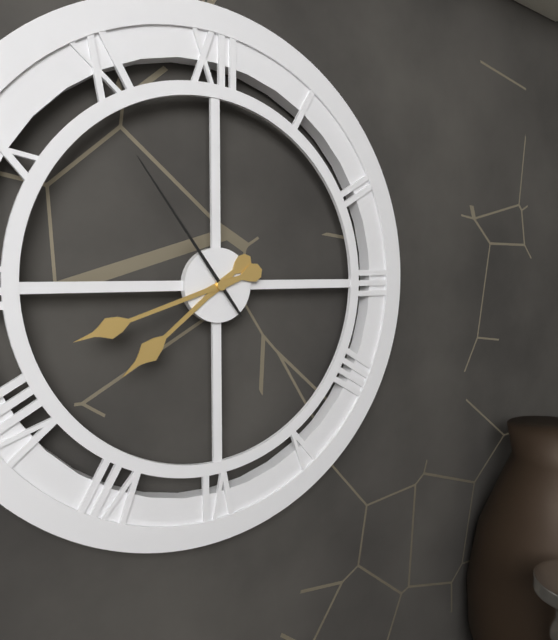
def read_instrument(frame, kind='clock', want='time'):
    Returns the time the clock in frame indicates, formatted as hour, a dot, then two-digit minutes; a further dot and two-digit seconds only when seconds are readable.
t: 7.42.54
